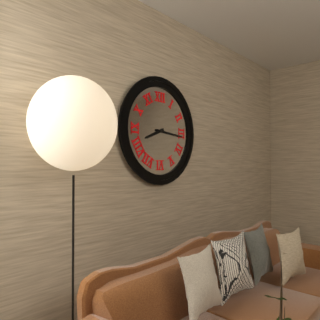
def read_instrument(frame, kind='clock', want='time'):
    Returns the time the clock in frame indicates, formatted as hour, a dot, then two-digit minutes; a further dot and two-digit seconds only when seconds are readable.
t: 8.16
